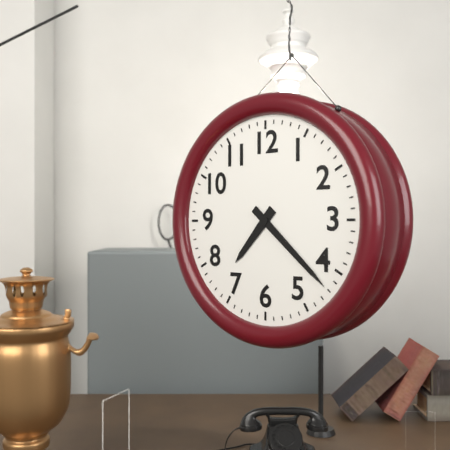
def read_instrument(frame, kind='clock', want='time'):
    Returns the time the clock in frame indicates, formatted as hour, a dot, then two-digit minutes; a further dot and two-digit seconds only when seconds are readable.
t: 7.22
